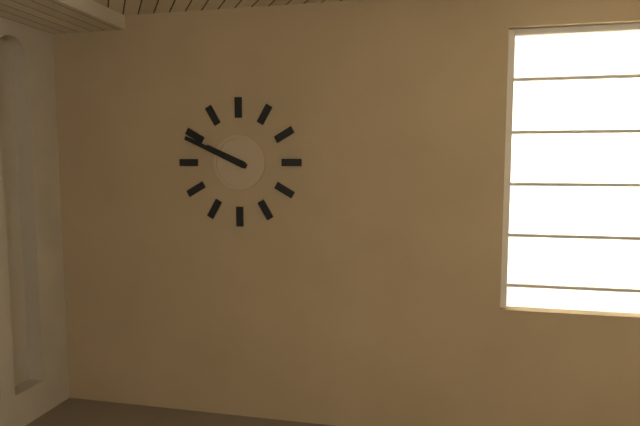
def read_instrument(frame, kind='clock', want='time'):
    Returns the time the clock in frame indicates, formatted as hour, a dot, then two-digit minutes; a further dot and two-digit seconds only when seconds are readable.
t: 9.49
